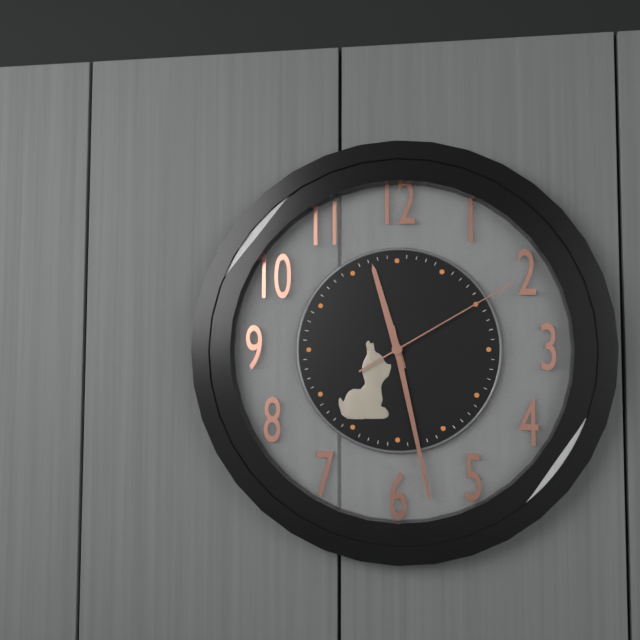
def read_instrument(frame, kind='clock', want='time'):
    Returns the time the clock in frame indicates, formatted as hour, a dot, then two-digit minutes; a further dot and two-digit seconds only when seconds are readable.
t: 11.28.10
